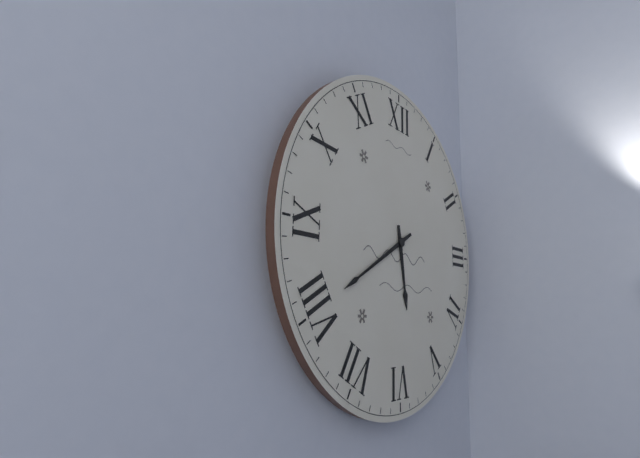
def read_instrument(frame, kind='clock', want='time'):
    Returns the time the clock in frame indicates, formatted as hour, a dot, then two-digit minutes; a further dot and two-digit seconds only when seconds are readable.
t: 5.40
